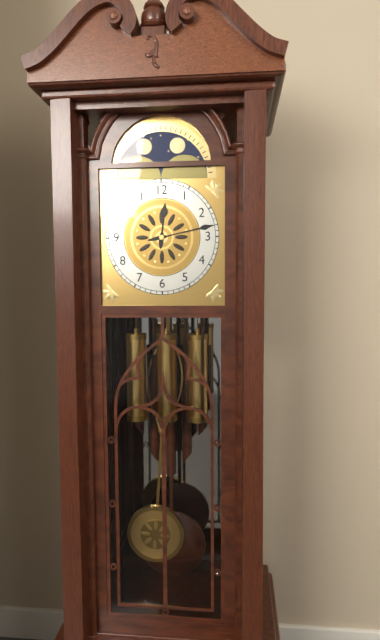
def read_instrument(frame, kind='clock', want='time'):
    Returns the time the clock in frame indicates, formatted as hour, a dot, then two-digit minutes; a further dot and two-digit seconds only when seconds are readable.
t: 12.13
